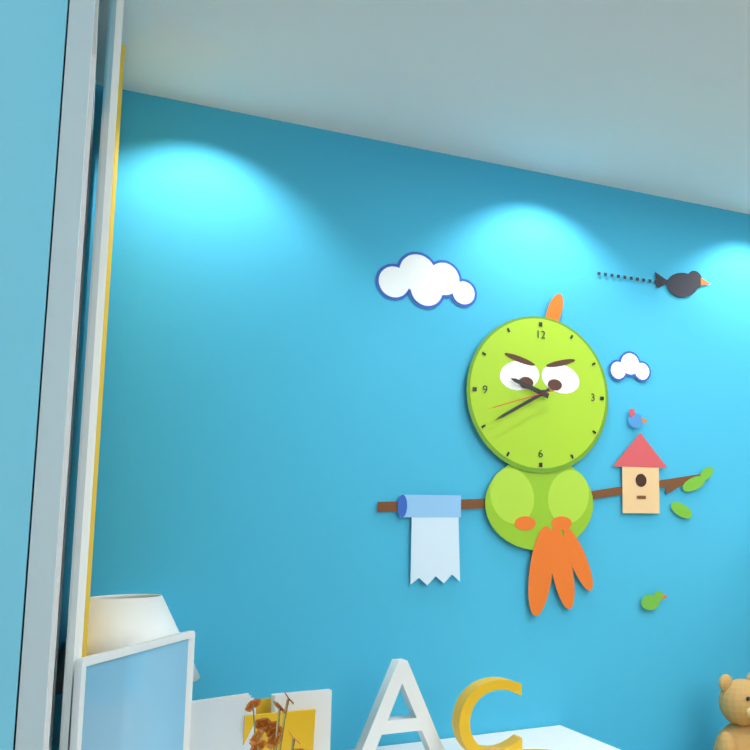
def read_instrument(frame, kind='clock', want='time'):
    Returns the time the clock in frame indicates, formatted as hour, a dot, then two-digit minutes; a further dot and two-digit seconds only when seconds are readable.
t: 9.40.42
